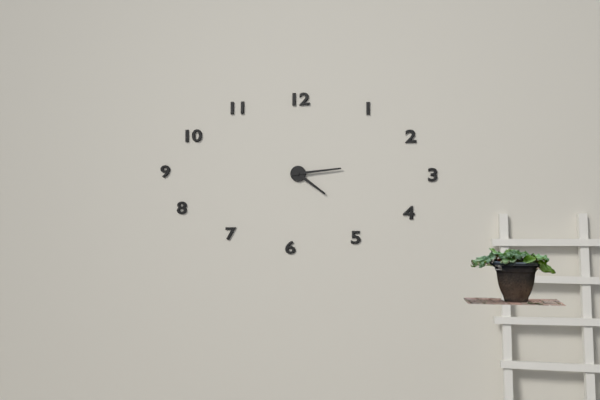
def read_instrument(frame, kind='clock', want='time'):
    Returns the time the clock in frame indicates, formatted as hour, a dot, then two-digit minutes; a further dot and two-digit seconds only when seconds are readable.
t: 4.14
